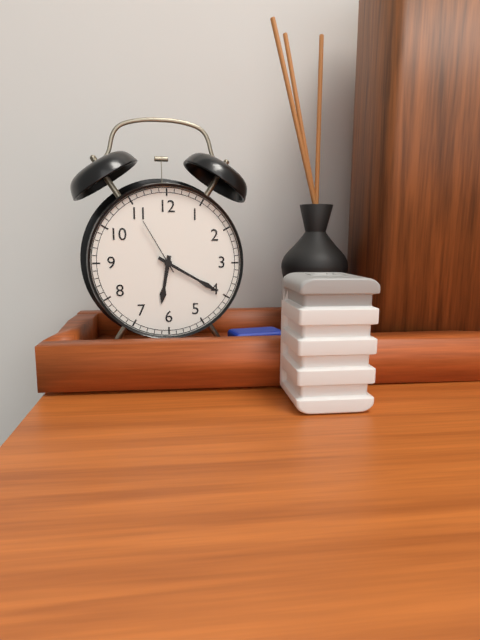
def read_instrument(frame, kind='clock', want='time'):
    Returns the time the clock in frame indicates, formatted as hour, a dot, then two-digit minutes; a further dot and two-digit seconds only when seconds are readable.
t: 6.20.55
